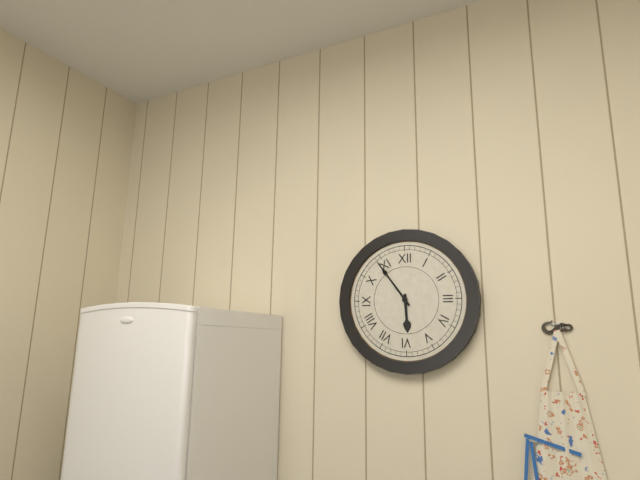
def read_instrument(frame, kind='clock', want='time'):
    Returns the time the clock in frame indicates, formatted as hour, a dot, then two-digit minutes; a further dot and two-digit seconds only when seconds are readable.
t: 5.54
